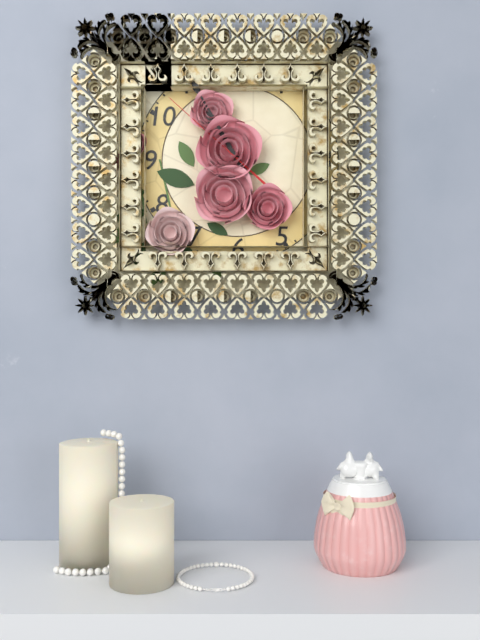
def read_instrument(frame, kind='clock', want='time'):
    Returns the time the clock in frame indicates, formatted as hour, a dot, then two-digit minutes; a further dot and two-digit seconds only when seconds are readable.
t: 10.55.52
